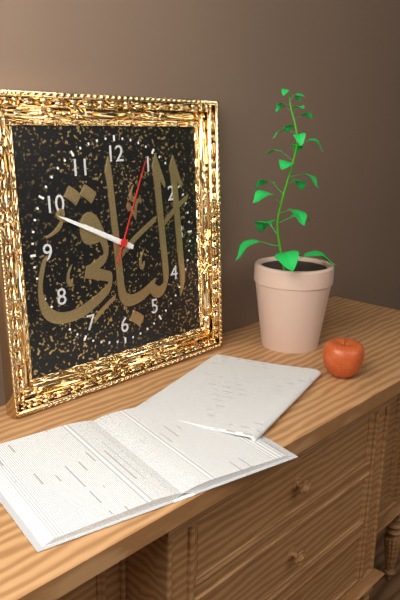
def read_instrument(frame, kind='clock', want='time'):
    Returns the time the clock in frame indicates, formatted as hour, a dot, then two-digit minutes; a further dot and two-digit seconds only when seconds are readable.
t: 9.49.04
